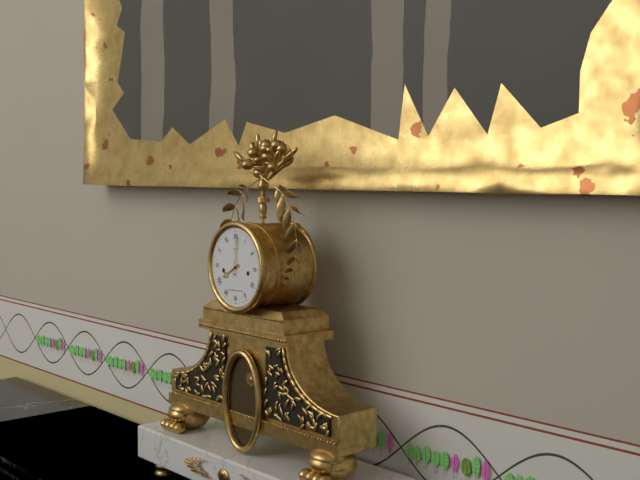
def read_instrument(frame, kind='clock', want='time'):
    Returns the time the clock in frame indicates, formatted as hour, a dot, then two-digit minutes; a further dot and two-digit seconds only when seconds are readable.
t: 8.01
